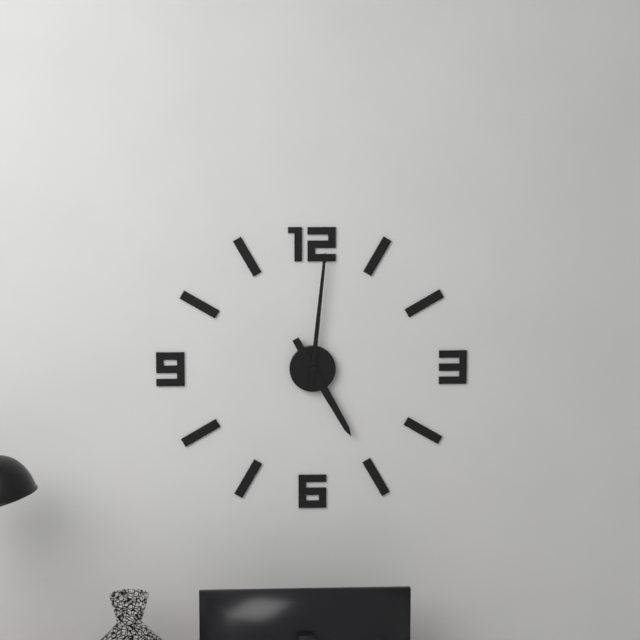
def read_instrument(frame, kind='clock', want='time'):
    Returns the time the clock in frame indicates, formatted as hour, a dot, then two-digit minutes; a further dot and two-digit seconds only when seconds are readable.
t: 5.01
